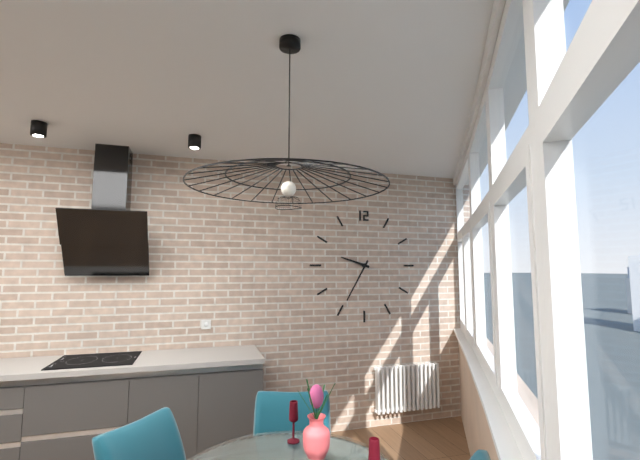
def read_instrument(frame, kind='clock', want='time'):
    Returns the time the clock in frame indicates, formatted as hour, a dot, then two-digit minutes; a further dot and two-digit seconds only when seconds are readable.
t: 9.35
